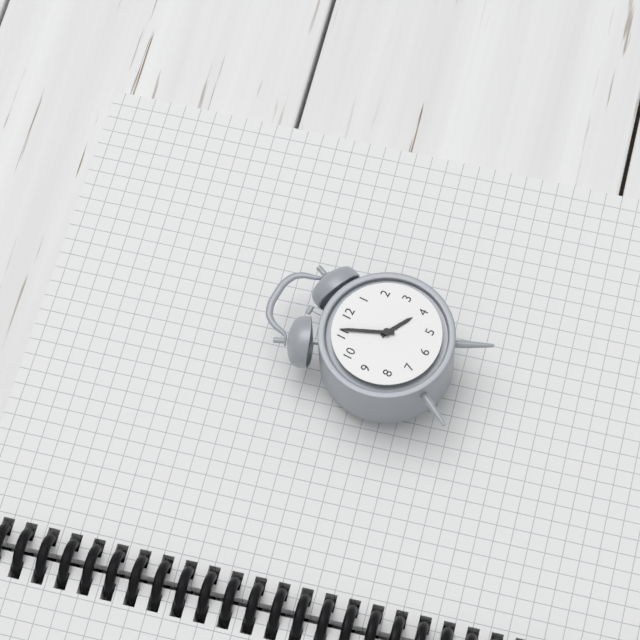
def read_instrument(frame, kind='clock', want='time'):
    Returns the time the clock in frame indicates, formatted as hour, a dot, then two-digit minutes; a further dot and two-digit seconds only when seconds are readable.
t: 3.56
